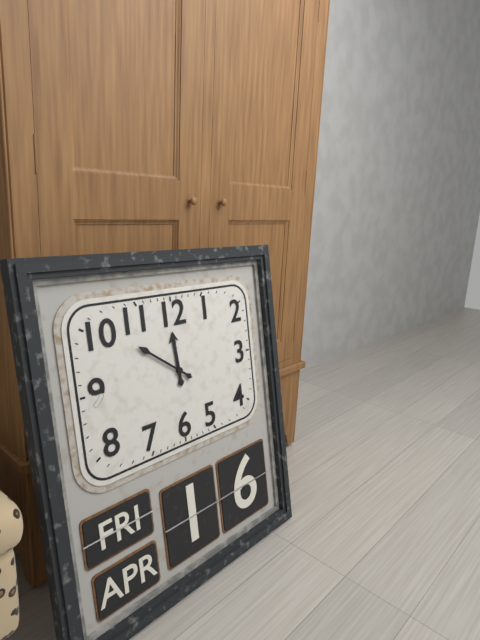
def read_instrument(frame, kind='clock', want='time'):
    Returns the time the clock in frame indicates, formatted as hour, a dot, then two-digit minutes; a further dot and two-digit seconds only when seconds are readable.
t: 11.51
